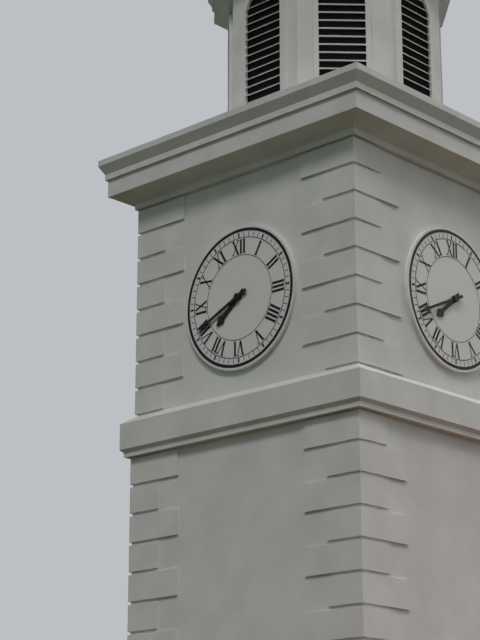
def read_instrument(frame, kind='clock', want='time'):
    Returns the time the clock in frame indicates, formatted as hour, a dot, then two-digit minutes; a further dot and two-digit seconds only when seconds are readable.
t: 7.41
